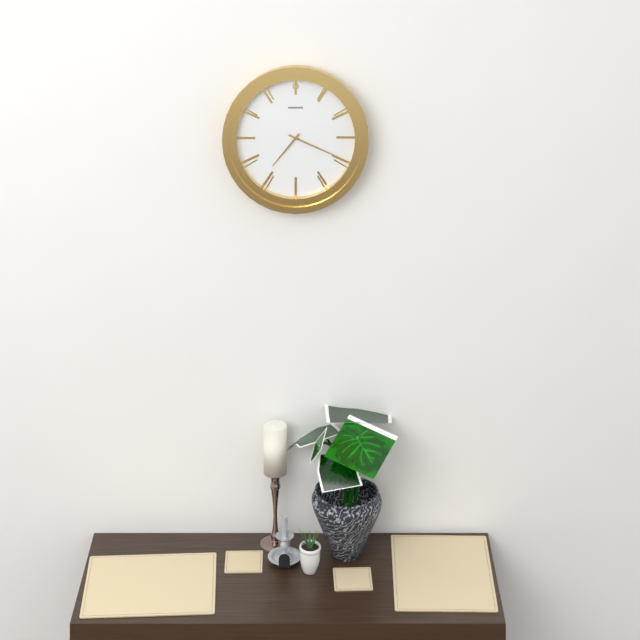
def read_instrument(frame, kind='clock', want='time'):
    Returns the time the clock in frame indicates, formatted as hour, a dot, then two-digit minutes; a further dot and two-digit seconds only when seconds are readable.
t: 7.19
